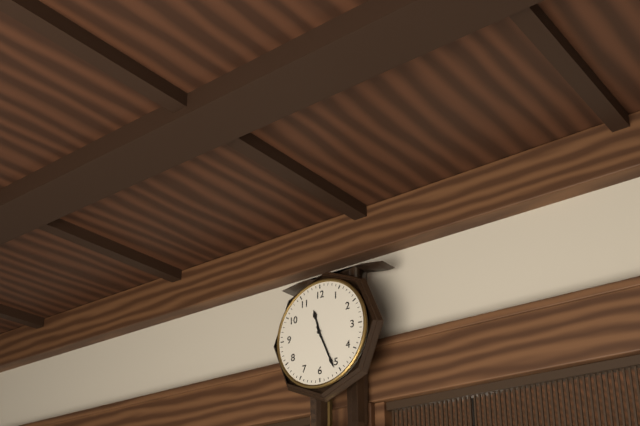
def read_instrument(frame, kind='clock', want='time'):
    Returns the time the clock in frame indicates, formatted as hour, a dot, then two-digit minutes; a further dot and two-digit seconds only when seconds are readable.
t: 11.26
